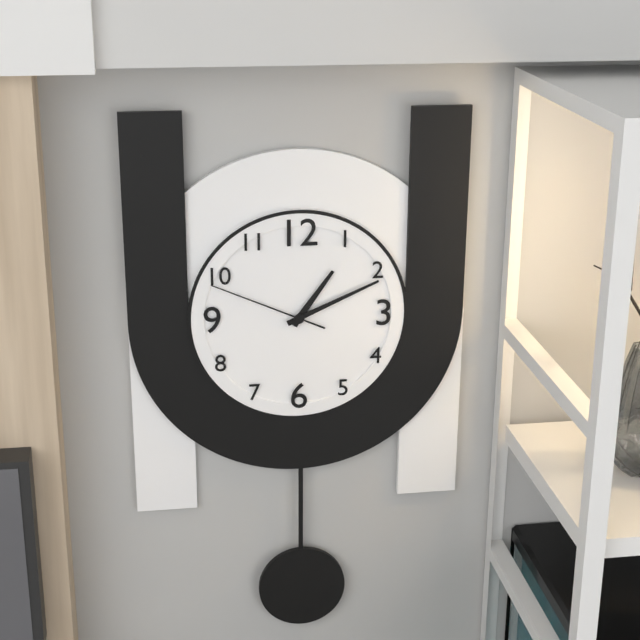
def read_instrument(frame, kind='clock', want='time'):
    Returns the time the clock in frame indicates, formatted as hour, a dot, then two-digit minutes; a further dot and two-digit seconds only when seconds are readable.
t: 1.11.49
